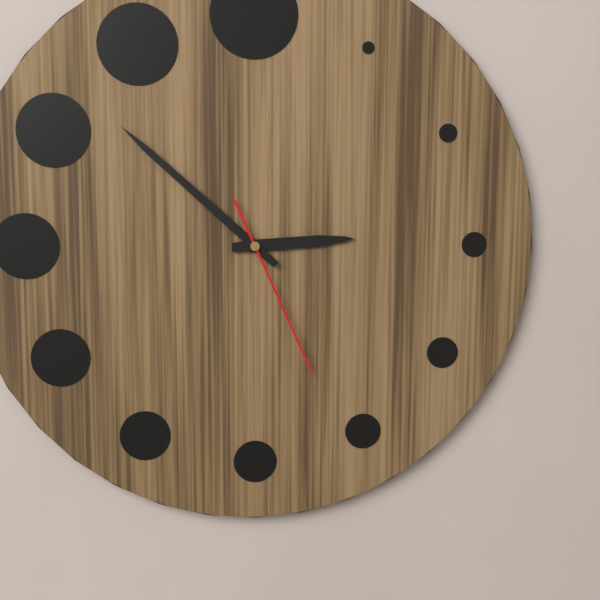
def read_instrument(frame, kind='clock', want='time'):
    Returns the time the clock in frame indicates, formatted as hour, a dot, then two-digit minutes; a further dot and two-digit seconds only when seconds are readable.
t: 2.52.26
